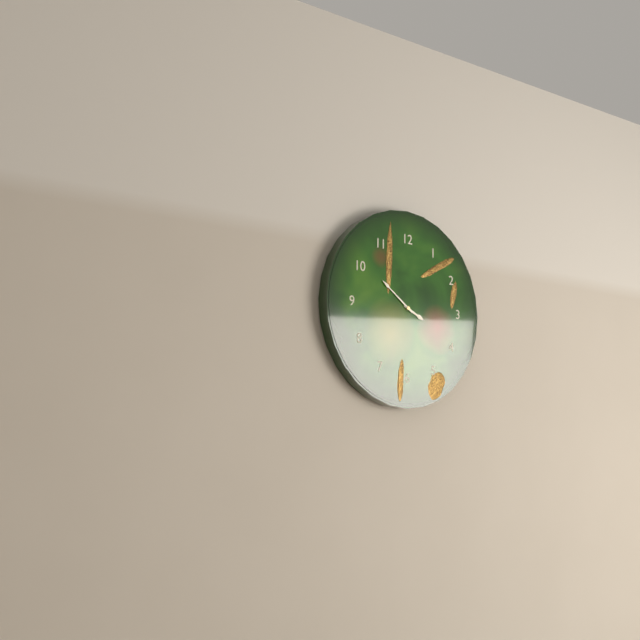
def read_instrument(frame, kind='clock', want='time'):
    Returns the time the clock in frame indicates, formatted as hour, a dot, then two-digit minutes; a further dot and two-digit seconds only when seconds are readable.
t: 3.51
